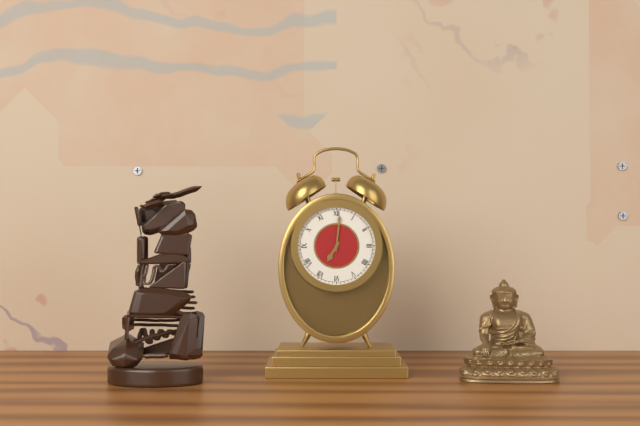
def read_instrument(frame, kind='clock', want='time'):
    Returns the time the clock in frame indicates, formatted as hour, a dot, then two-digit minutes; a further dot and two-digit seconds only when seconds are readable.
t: 7.01
